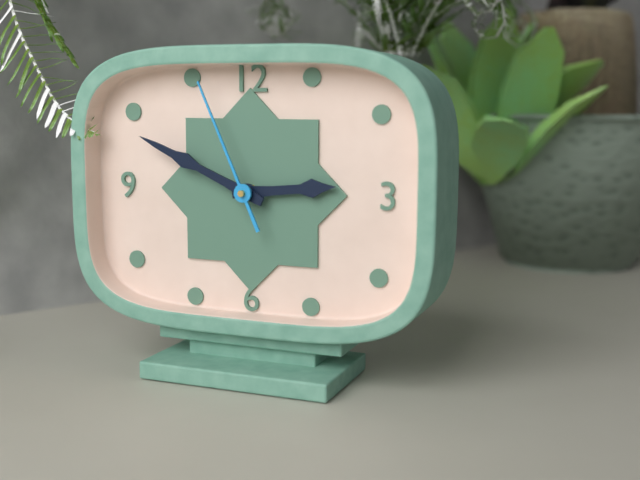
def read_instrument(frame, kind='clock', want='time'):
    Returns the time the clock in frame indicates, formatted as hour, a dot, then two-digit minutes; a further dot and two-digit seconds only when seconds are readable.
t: 2.49.56
